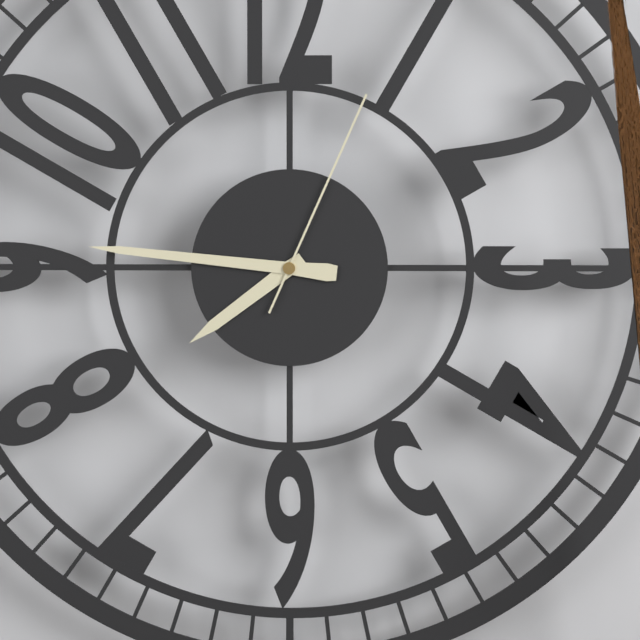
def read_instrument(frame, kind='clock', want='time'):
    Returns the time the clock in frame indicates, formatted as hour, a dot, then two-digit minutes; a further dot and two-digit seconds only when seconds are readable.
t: 7.46.04
